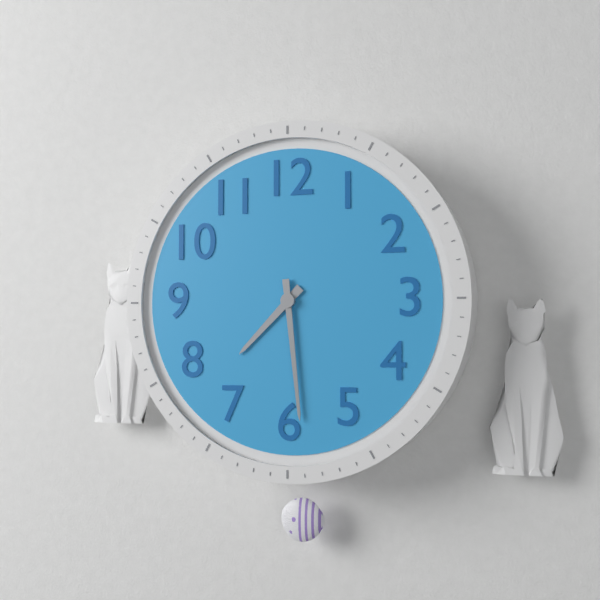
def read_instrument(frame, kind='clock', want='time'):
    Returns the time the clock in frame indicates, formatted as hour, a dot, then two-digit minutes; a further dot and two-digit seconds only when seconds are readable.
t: 7.29
